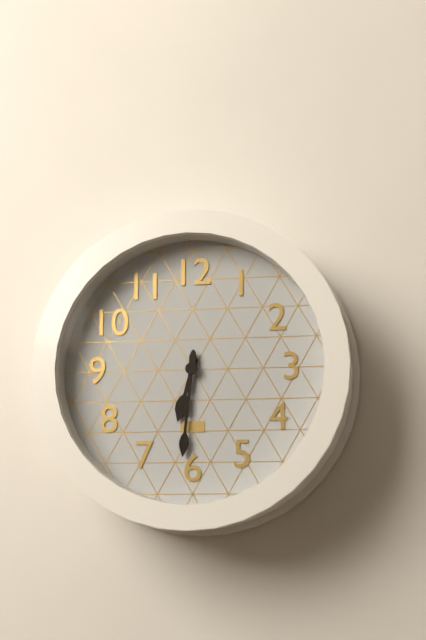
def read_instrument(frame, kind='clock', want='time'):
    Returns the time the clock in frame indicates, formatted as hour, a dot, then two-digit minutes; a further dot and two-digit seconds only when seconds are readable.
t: 6.31
